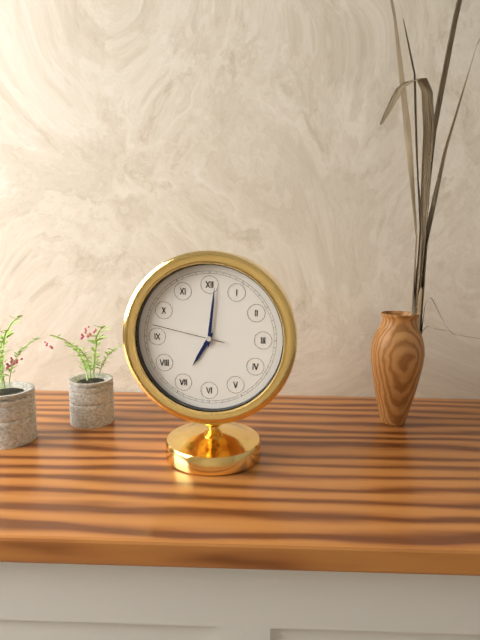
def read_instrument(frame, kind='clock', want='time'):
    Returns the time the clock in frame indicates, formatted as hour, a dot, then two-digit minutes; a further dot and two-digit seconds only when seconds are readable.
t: 7.01.47
